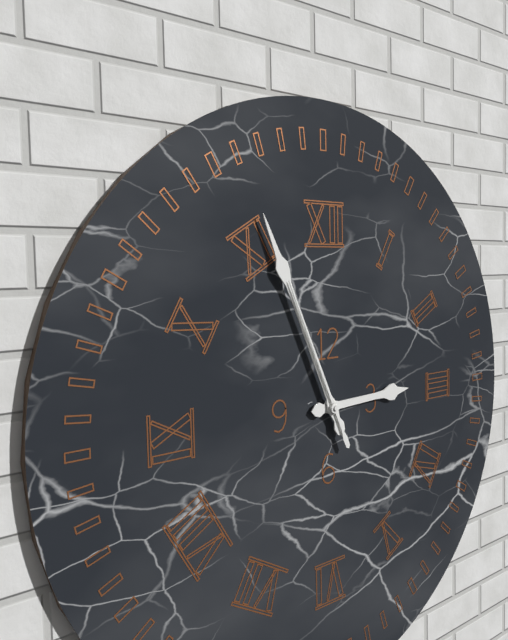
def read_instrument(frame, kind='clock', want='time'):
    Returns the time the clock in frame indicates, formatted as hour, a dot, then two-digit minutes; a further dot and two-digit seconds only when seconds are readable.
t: 2.56.56
